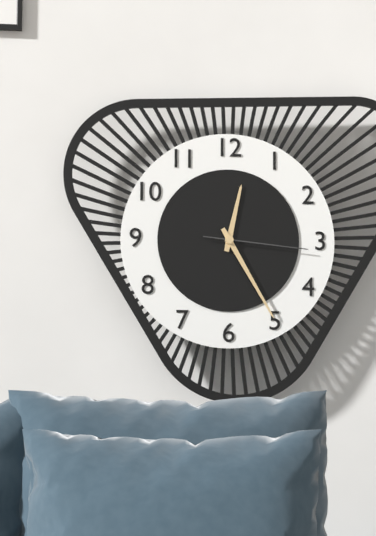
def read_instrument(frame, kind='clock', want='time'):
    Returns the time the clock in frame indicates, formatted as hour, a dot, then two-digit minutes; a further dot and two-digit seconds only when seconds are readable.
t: 12.25.16
